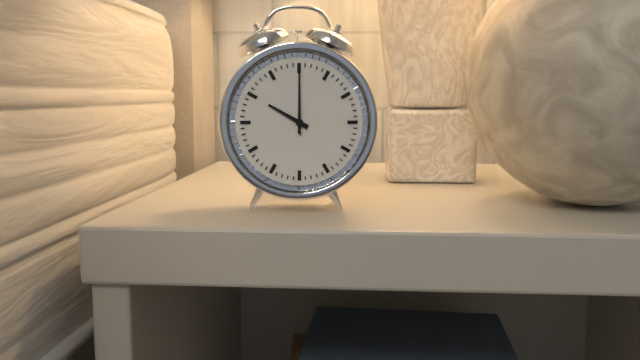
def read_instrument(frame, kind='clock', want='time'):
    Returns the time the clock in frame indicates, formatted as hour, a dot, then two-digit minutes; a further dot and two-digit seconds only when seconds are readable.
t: 10.00
